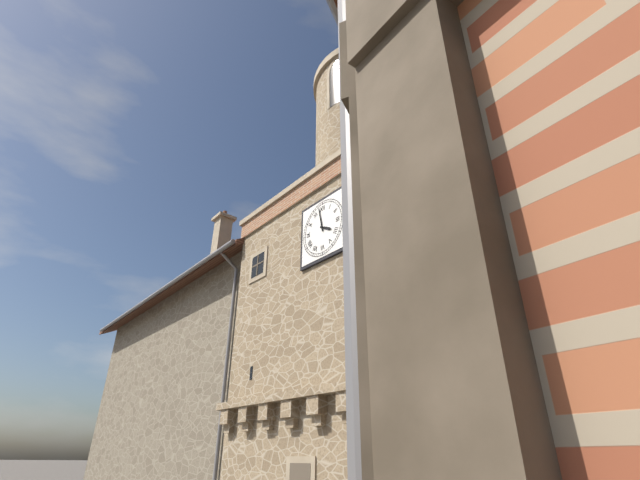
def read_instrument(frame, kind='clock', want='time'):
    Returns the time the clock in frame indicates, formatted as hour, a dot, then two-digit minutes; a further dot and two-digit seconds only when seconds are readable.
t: 3.58
